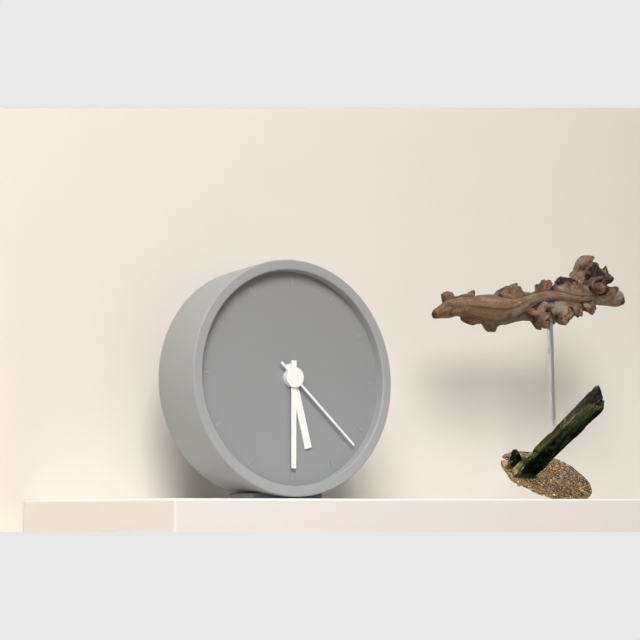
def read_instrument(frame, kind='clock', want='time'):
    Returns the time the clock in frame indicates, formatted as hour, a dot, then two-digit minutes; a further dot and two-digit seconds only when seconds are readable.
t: 5.30.22
